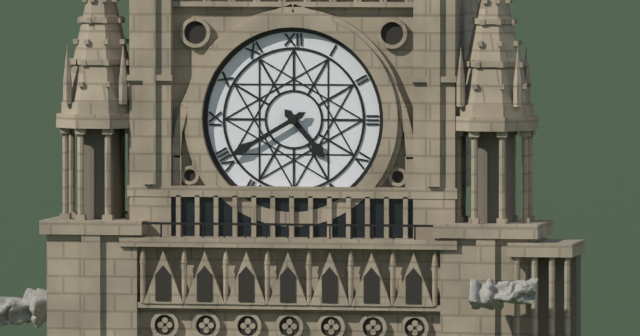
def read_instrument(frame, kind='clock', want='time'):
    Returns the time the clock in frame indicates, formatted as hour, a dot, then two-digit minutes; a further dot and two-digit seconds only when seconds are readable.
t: 4.40
